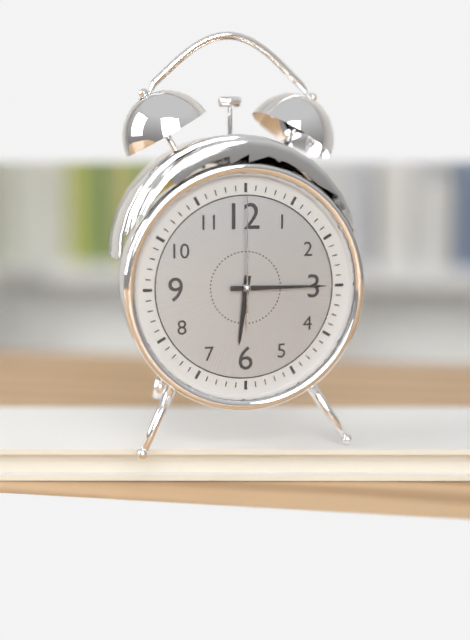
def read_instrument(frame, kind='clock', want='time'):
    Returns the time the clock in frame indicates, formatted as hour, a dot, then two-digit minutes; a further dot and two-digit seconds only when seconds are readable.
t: 6.15.00
